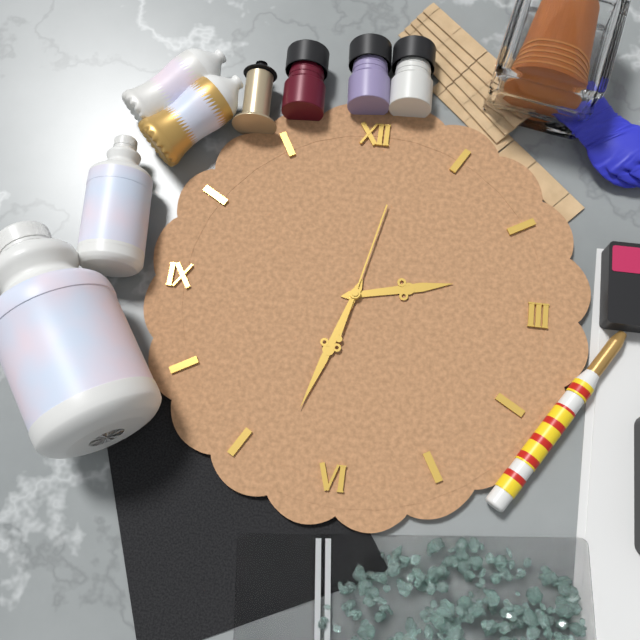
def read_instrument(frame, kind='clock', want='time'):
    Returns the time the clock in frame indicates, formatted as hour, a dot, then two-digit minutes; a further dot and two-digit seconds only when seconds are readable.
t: 2.33.02
